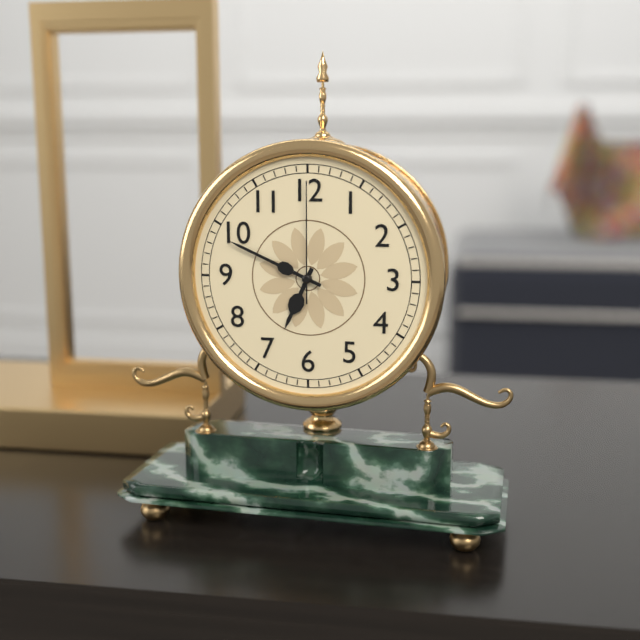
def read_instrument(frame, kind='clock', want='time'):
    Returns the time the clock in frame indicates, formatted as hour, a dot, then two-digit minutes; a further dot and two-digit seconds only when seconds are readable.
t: 6.49.00
